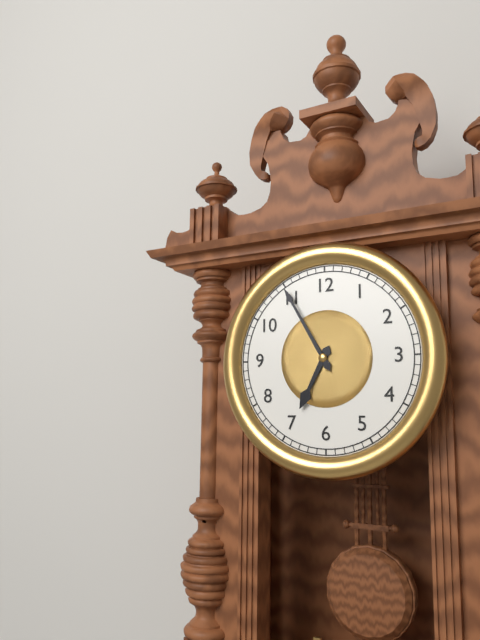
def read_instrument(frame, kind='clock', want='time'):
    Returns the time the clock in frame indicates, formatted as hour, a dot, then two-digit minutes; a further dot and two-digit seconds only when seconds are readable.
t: 6.55
